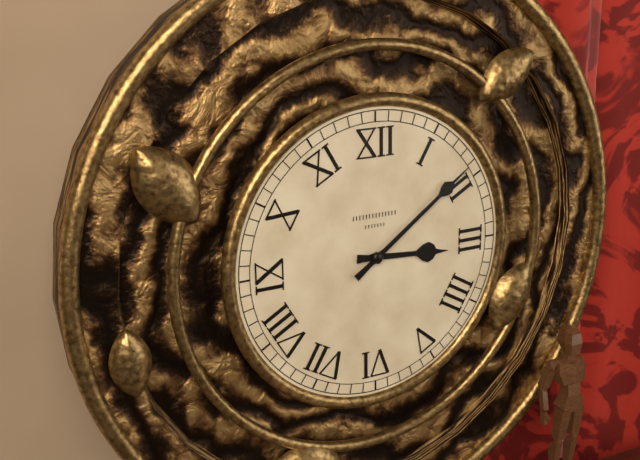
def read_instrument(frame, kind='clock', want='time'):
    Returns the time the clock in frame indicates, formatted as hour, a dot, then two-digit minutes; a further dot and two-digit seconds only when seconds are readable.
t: 3.09
